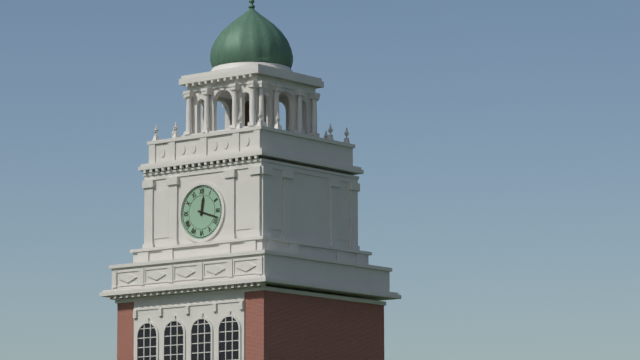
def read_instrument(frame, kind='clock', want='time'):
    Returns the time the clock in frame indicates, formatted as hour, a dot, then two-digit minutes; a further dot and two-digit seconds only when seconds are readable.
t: 12.18
